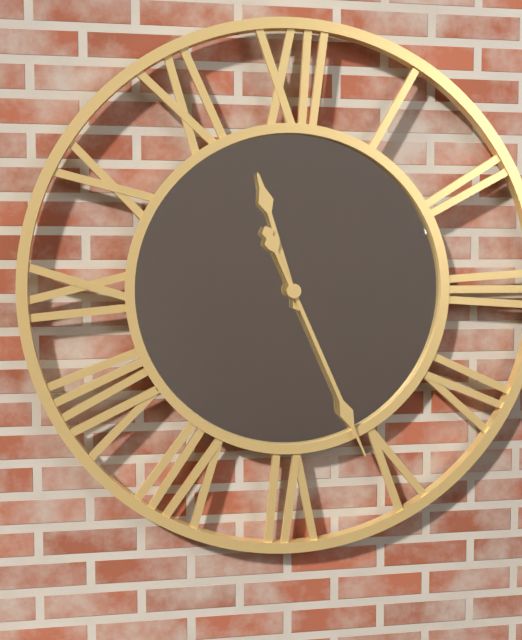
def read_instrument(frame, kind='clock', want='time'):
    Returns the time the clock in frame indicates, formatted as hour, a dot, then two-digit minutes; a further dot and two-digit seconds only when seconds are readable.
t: 11.26
